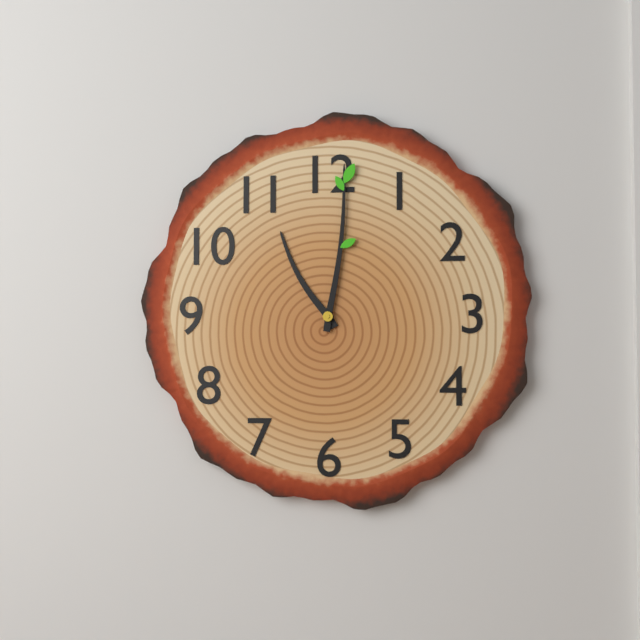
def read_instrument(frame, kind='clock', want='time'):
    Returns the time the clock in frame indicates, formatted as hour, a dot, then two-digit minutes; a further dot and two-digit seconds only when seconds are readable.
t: 11.01
